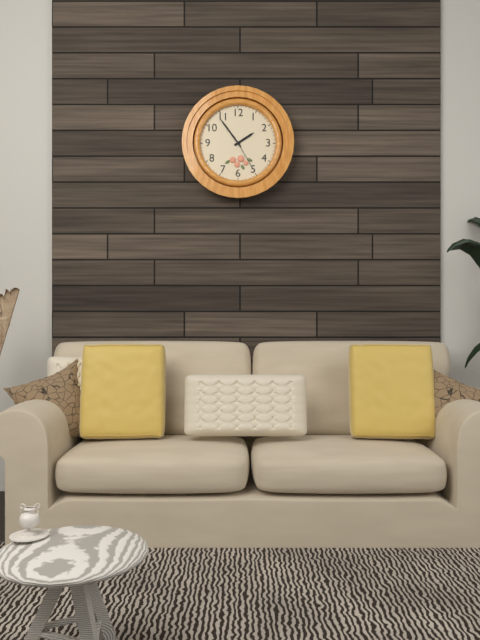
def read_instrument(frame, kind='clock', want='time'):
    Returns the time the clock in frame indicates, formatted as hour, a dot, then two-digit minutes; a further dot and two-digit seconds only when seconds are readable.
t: 1.54
